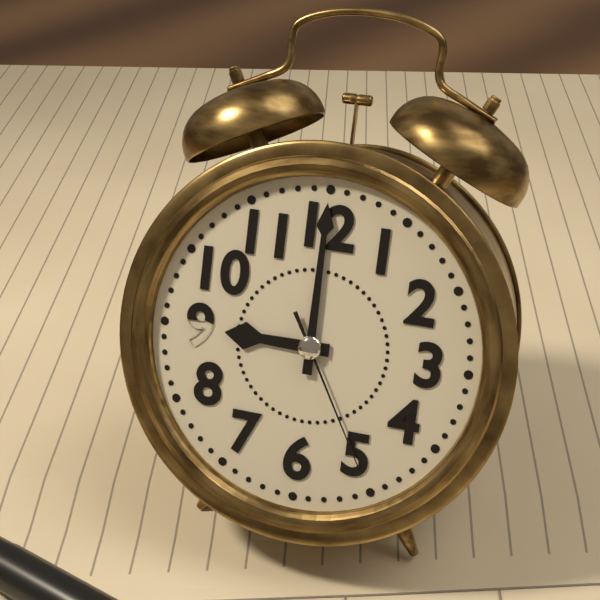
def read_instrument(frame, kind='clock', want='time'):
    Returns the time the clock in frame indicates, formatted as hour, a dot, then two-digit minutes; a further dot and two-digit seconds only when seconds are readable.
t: 9.00.25
